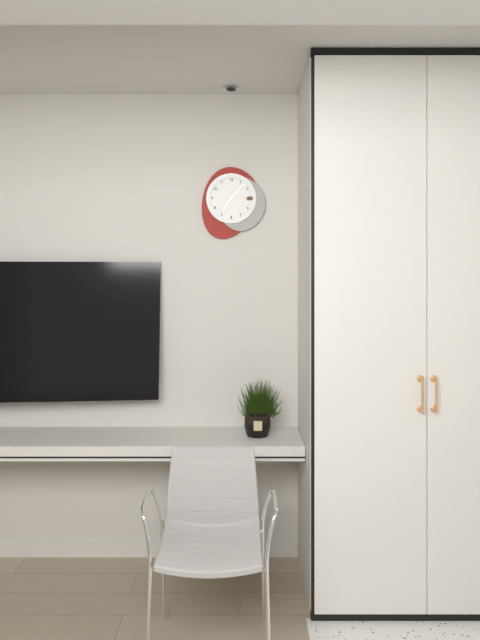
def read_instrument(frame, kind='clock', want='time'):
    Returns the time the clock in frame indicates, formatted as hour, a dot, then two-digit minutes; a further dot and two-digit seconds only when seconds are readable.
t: 7.07
